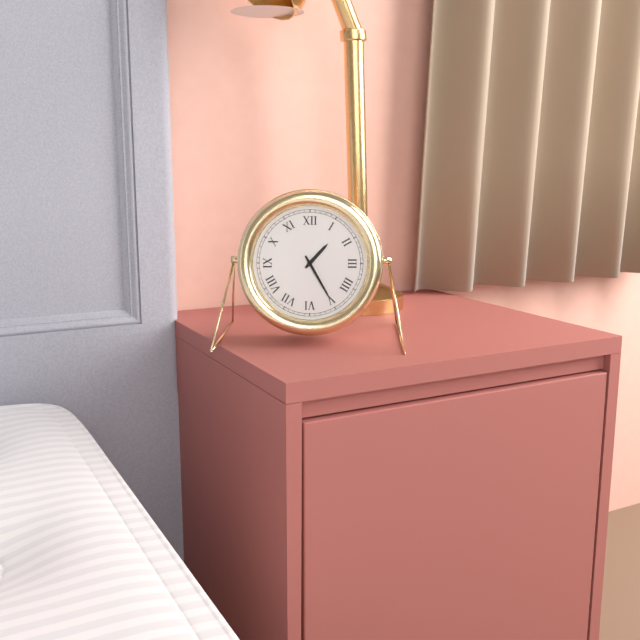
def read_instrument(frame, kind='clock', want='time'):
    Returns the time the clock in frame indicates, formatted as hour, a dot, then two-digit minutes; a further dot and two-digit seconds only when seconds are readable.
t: 1.25
